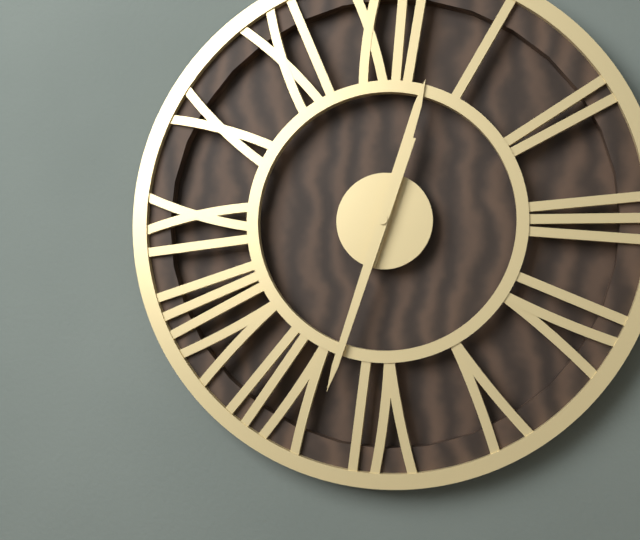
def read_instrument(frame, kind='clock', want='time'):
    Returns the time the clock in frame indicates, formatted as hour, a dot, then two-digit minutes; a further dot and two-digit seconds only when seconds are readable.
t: 12.33
